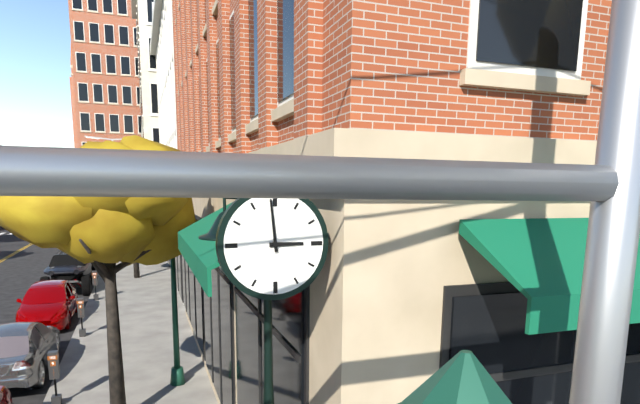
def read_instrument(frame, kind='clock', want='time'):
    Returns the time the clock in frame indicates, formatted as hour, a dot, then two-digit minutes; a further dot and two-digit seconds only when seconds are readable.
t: 2.59
